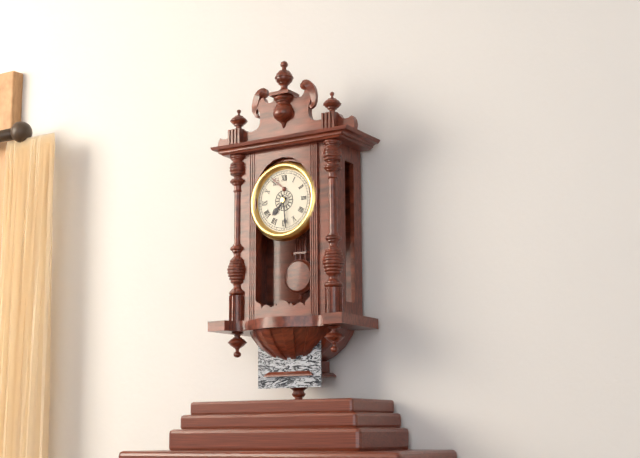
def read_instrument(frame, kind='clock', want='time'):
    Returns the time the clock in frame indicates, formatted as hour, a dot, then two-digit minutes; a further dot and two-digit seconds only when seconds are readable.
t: 7.29
